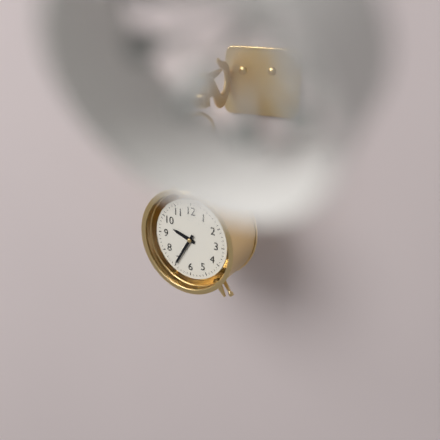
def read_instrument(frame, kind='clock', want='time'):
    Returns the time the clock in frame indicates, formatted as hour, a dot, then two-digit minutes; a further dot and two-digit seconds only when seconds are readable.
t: 9.35
